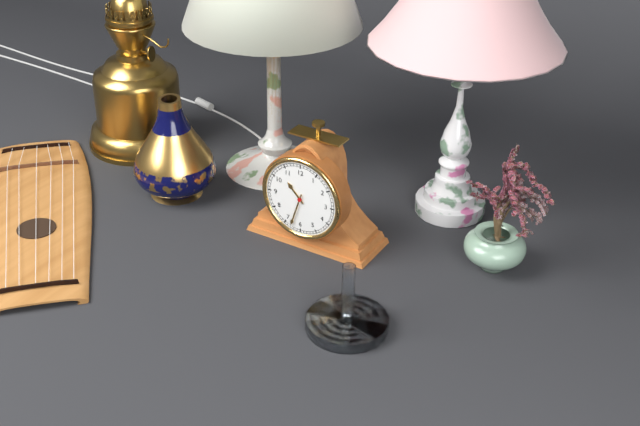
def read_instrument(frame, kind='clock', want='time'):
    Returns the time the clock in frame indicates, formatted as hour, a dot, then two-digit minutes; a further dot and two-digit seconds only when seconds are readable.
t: 10.33
